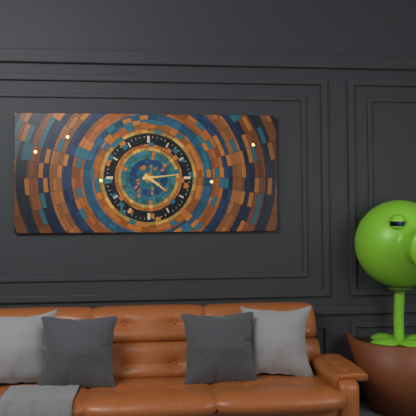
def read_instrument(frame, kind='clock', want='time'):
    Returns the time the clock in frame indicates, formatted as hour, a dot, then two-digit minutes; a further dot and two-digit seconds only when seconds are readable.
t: 4.14
